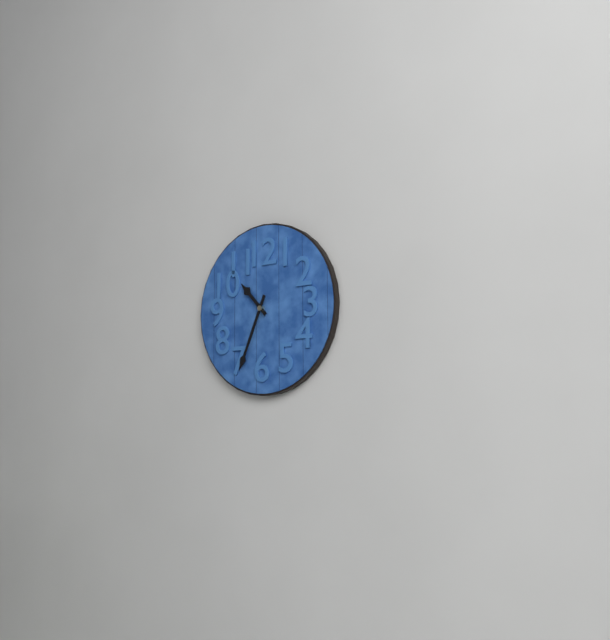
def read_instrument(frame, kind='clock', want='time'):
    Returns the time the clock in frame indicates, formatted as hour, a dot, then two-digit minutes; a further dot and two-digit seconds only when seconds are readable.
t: 10.34
